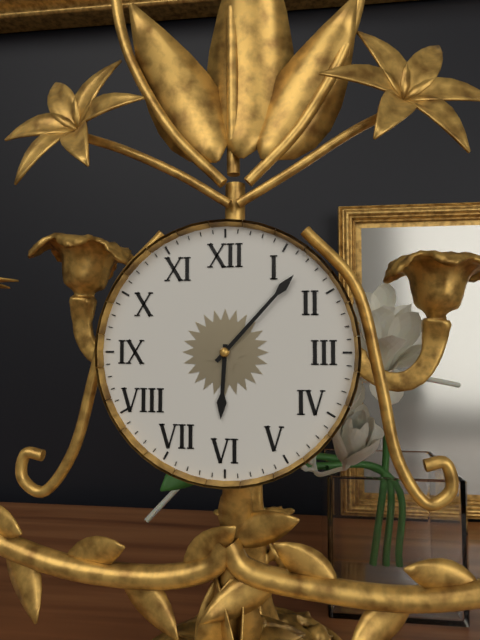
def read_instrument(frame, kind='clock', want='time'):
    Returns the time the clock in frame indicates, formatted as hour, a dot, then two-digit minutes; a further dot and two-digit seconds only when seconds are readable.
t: 6.07
